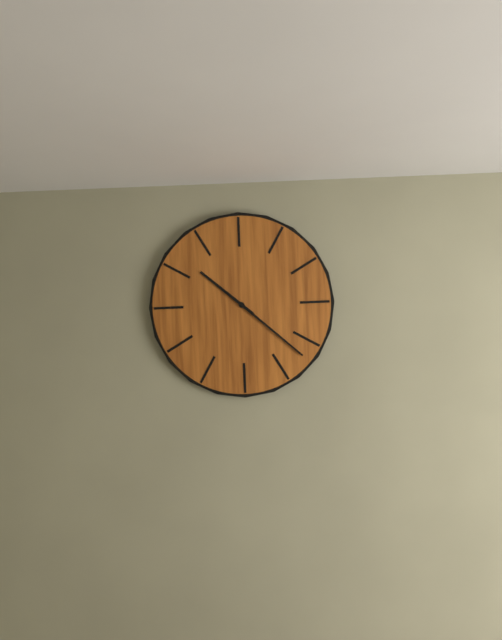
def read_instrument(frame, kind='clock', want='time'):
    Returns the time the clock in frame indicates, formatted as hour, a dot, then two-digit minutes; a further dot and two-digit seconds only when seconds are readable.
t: 10.22
